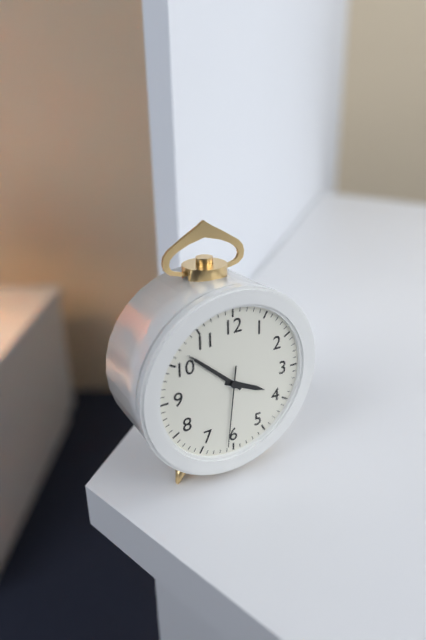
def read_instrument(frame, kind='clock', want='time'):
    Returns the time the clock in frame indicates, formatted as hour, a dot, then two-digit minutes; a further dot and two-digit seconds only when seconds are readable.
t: 3.52.31
